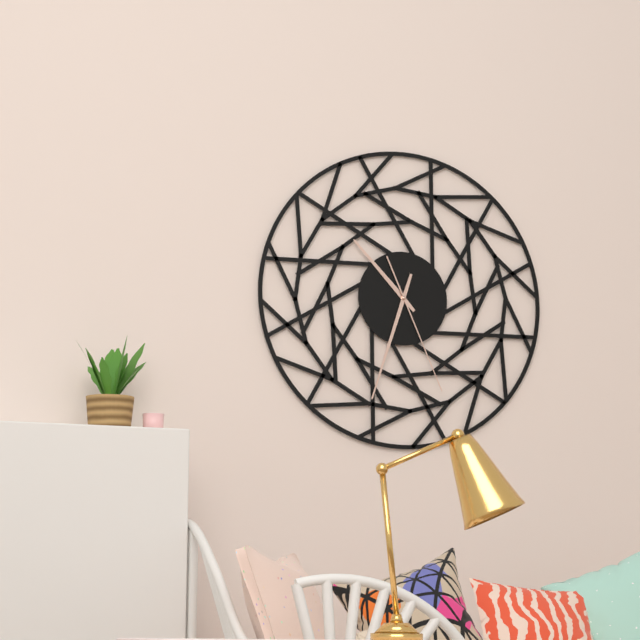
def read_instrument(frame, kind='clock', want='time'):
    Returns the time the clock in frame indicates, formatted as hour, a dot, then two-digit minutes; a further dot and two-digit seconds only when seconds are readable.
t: 10.33.26
